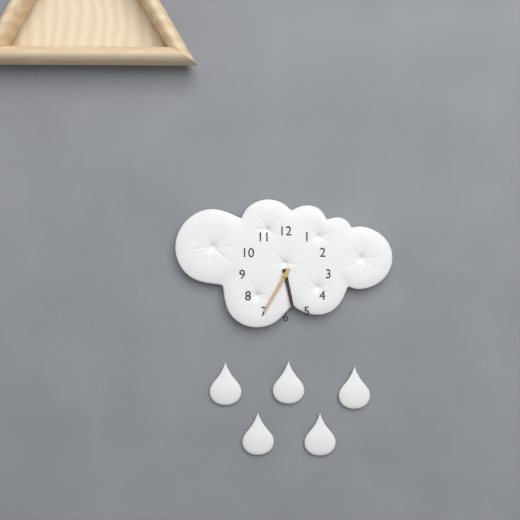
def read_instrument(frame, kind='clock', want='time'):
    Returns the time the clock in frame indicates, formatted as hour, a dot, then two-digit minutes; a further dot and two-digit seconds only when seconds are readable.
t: 5.35
